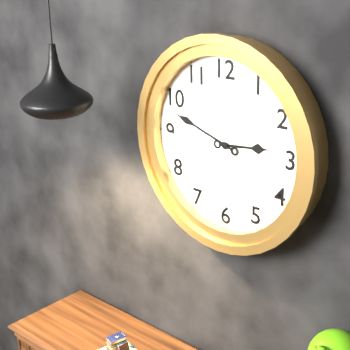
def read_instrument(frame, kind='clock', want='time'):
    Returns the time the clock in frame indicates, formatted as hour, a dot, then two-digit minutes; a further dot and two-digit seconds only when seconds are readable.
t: 2.48
